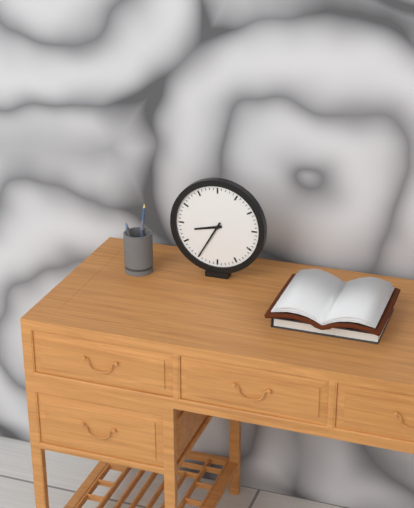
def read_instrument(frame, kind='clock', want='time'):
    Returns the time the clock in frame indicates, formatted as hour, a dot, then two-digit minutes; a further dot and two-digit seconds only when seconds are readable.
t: 8.35
